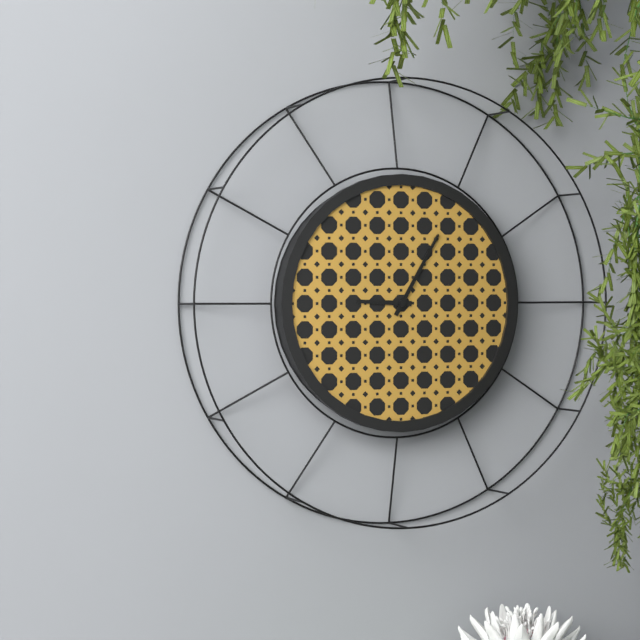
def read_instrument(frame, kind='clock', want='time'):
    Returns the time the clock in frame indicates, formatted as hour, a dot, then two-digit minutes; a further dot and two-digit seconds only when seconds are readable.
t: 9.05
